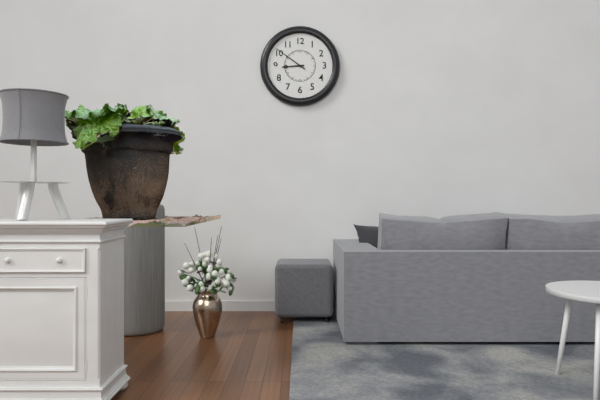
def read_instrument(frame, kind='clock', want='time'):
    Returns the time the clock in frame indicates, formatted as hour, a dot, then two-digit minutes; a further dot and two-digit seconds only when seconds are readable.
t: 8.51
